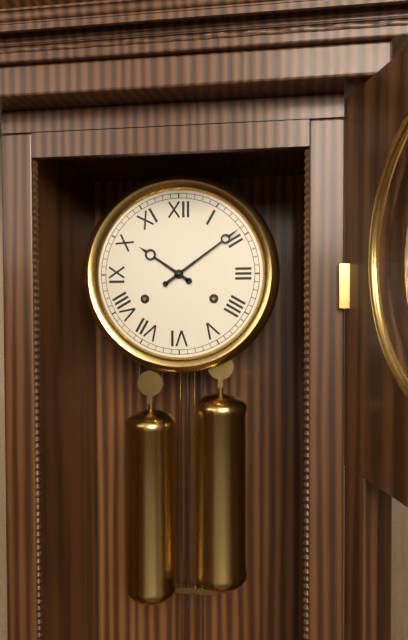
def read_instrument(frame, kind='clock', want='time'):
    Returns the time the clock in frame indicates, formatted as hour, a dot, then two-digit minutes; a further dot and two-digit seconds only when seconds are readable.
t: 10.09
